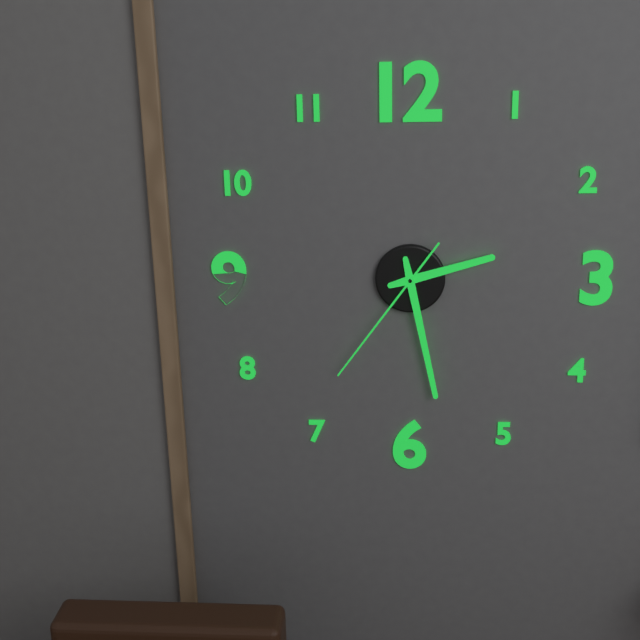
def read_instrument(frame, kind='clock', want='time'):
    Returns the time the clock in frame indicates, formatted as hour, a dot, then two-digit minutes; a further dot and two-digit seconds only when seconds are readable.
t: 2.28.36
